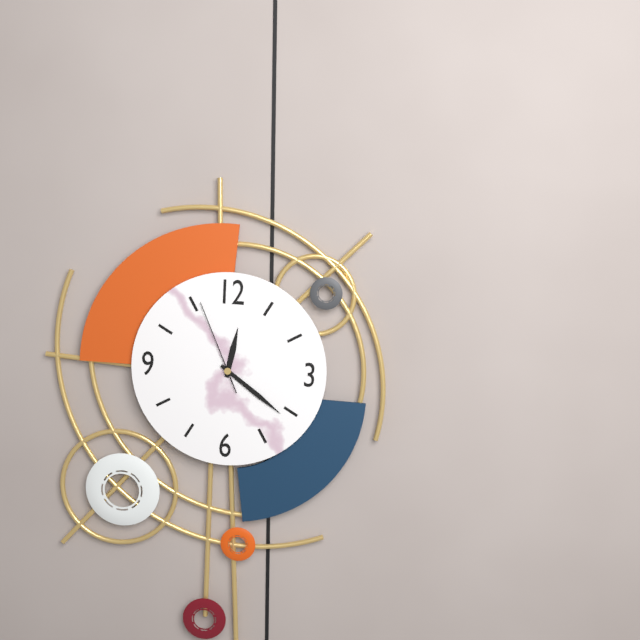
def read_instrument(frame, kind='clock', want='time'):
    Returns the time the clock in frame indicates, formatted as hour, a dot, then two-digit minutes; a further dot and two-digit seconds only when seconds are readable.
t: 12.21.56
